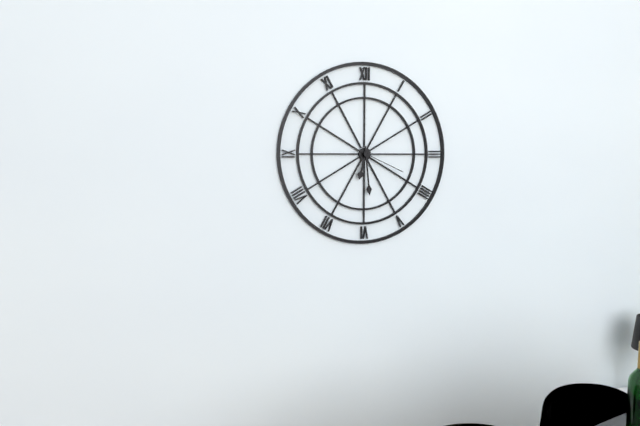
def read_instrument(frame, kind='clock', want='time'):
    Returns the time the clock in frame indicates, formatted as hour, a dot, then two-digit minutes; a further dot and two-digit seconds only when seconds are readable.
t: 6.29.19
